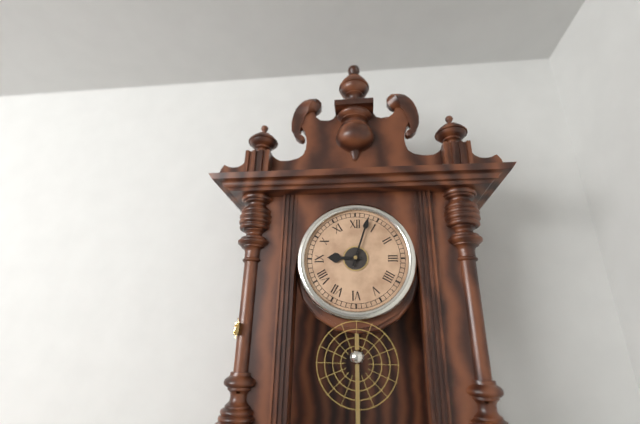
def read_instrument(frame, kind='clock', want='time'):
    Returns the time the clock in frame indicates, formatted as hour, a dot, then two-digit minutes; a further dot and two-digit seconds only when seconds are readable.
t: 9.03
